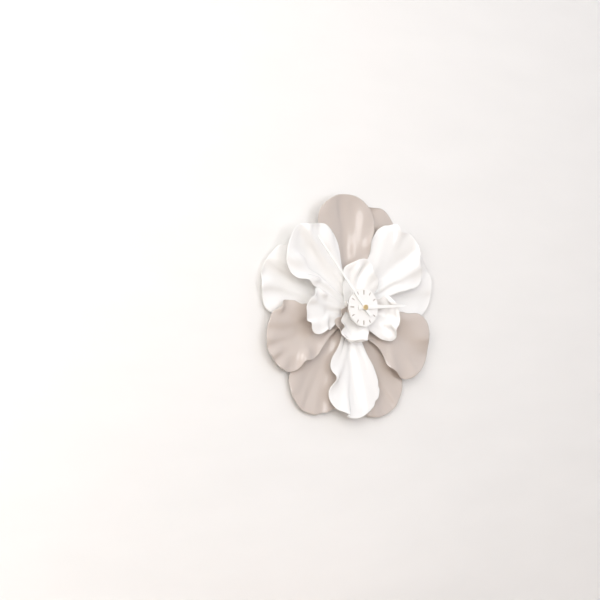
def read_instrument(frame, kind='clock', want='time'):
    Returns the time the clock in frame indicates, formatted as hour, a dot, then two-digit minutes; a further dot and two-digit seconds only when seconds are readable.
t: 2.53
